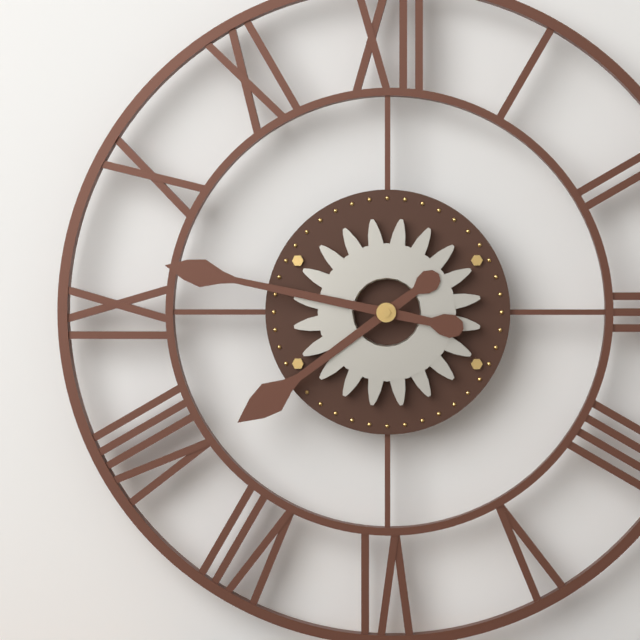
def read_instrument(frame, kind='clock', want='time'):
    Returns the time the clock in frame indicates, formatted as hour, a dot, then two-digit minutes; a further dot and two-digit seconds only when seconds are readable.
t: 7.47
